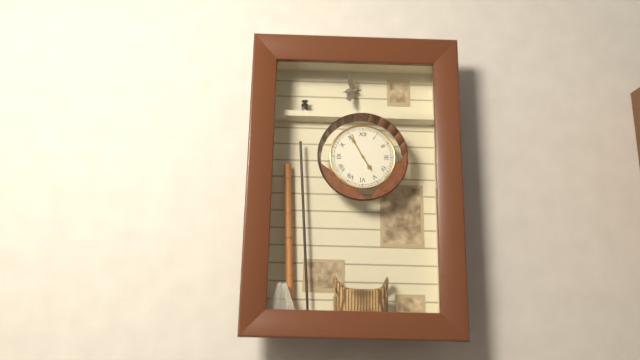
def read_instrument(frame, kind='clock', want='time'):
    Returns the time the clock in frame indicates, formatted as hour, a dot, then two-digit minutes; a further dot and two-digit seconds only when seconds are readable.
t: 4.55
